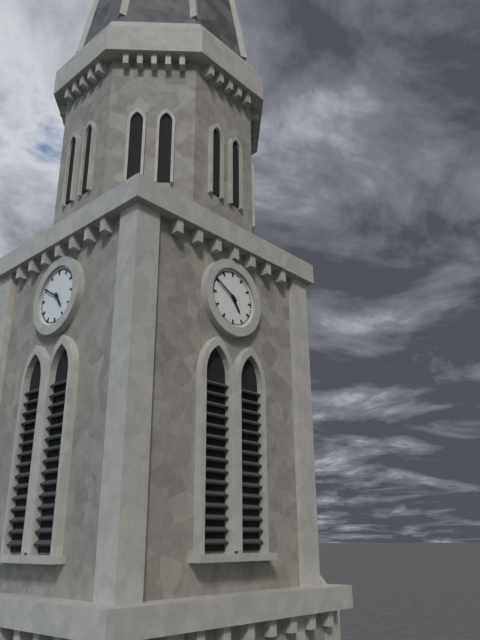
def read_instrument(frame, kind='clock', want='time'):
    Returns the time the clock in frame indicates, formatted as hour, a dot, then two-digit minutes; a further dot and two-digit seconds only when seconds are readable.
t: 4.50
